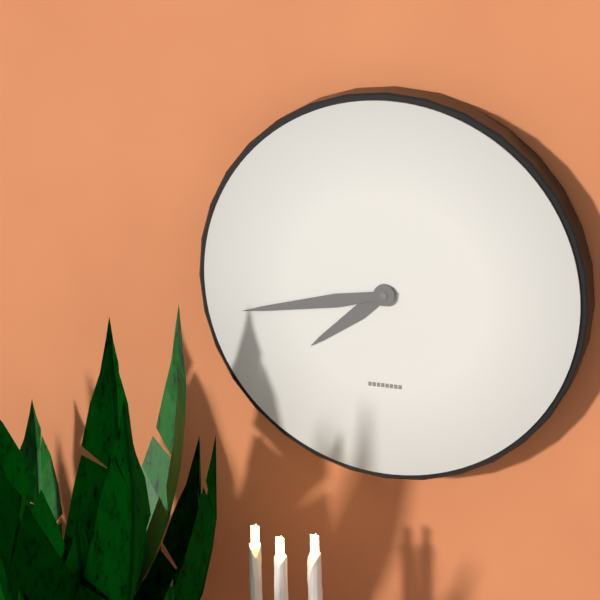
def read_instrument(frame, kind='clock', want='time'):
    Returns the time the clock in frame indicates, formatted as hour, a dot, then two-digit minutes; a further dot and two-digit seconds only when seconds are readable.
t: 7.43
